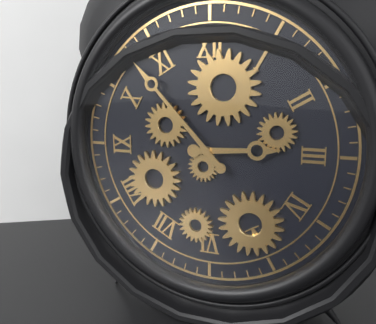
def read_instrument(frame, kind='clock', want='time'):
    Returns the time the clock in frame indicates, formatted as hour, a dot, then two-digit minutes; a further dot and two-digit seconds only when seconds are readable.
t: 2.53
